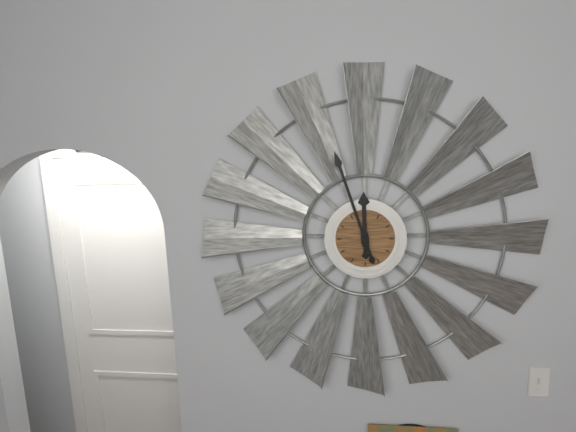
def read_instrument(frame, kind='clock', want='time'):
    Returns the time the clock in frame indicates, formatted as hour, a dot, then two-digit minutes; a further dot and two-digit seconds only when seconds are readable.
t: 11.57
